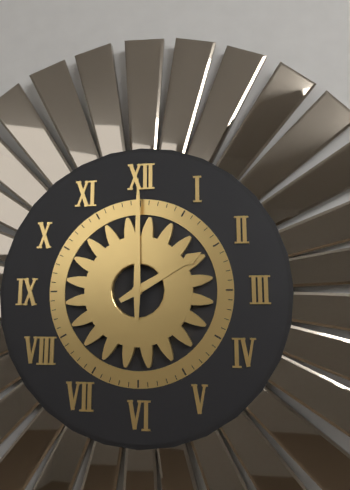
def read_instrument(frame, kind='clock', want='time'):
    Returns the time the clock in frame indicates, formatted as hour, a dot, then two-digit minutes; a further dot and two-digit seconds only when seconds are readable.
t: 2.00
